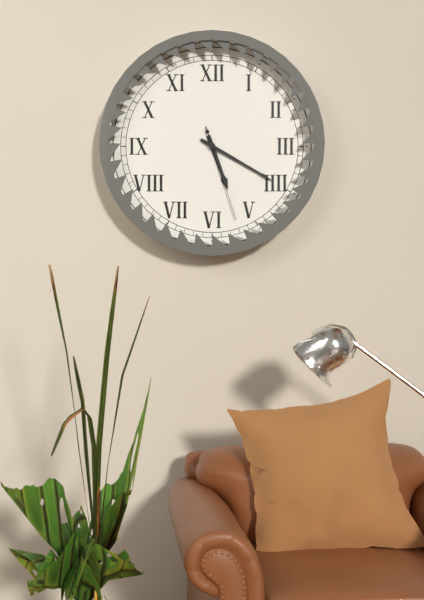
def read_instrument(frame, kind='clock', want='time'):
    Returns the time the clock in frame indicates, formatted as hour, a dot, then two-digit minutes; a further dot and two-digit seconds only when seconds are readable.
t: 5.20.27
